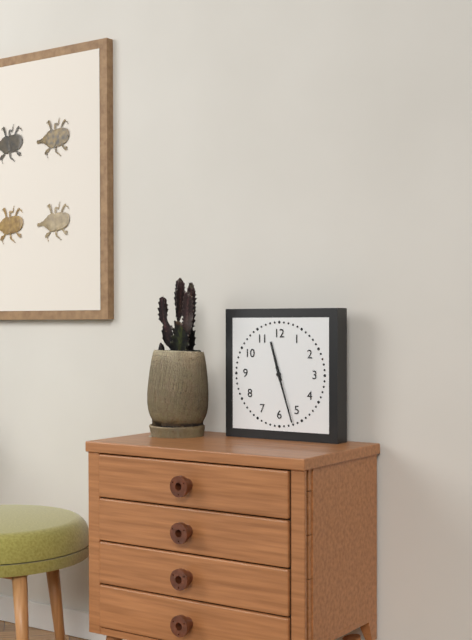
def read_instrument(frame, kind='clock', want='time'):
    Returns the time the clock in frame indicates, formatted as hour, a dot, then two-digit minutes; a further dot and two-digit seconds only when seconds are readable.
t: 11.27
